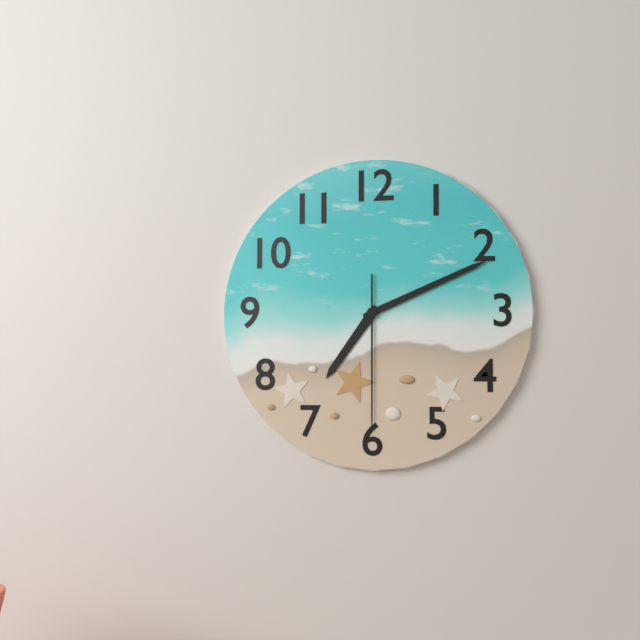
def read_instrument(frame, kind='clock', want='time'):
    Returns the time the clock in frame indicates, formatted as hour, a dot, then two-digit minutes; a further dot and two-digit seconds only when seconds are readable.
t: 7.11.30
